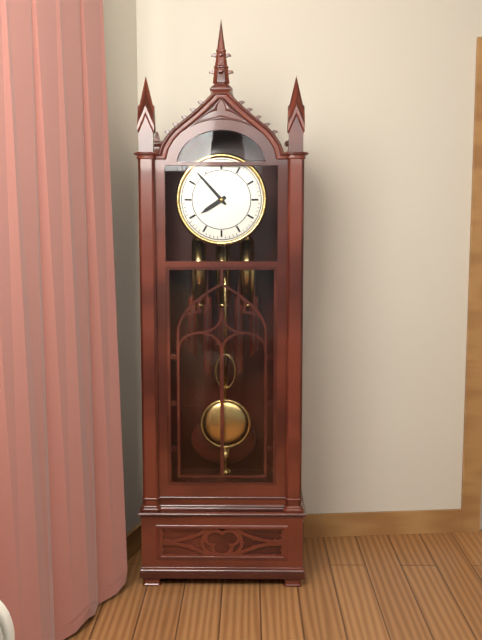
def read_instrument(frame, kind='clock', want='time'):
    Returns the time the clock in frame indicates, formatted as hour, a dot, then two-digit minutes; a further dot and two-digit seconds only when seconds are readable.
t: 7.53
